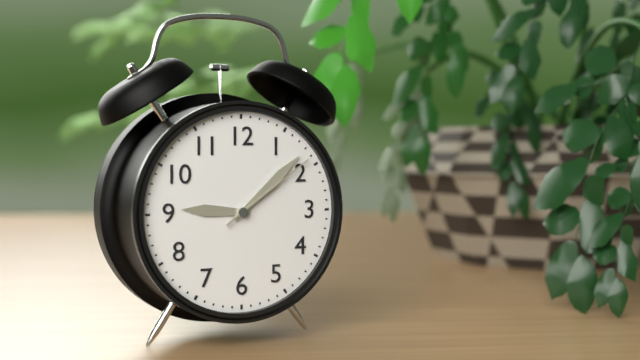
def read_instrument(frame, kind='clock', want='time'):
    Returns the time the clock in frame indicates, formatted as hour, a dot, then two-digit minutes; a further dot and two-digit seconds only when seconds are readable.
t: 9.08.09
